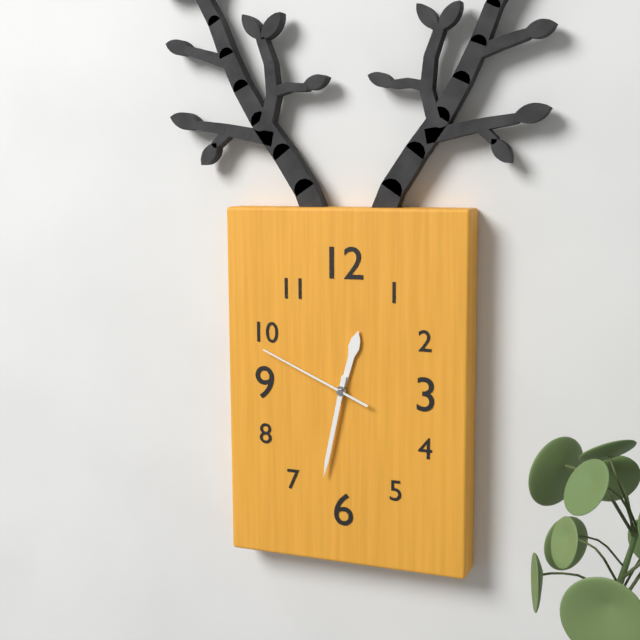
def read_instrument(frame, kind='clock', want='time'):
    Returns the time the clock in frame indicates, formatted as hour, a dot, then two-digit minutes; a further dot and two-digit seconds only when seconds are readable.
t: 12.32.49
